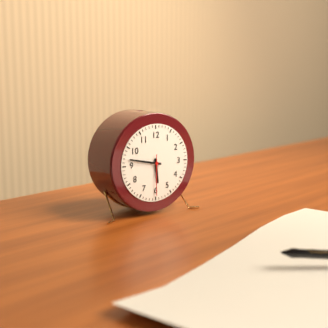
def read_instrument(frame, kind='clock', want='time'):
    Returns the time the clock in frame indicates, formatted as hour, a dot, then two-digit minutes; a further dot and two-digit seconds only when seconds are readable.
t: 5.47
